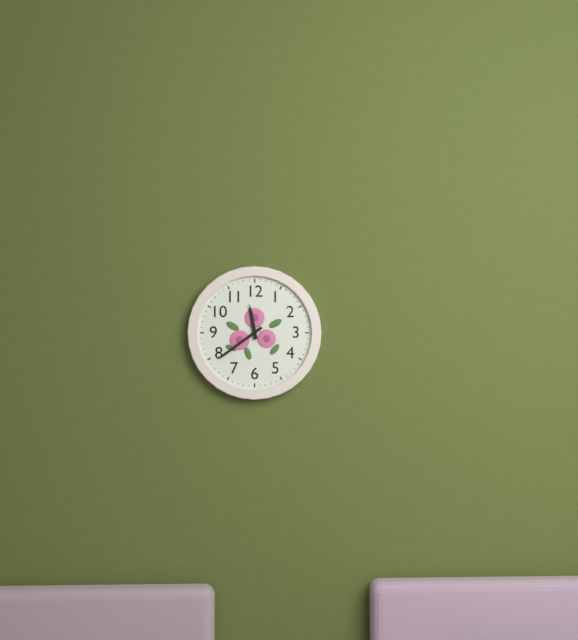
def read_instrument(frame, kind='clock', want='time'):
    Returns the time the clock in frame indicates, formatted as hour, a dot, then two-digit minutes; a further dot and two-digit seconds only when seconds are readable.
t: 11.39
